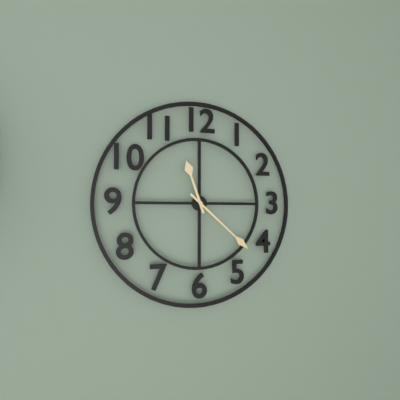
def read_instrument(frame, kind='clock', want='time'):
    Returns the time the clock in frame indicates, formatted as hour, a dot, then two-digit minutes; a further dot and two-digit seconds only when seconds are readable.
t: 11.22
